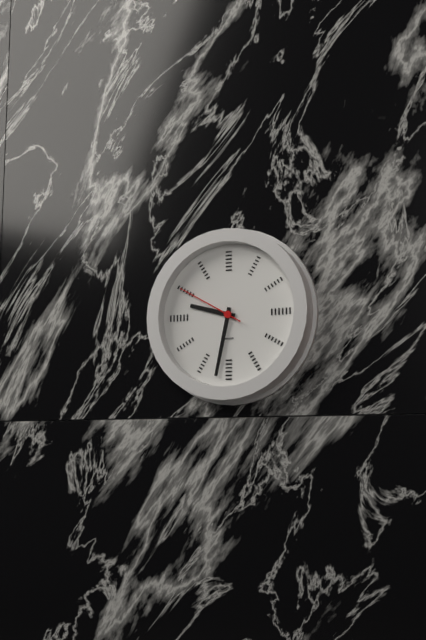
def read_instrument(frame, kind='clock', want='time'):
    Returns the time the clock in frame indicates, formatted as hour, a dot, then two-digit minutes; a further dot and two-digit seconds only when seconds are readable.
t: 9.32.50
